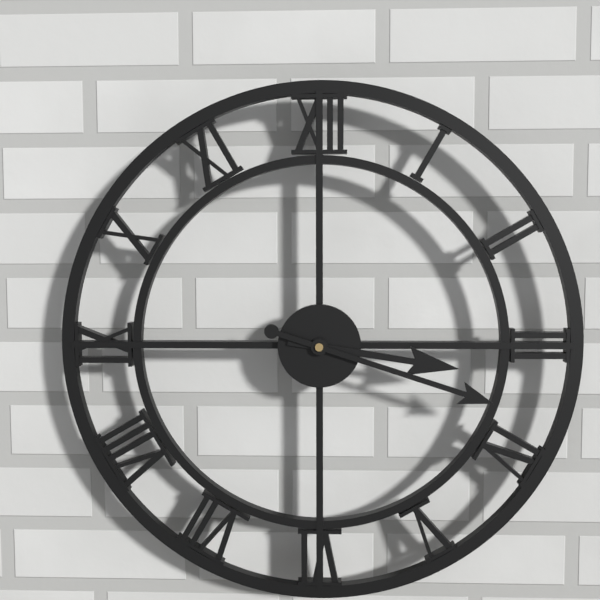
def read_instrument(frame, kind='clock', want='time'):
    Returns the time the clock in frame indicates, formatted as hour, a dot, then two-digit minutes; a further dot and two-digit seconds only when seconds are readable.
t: 3.18
